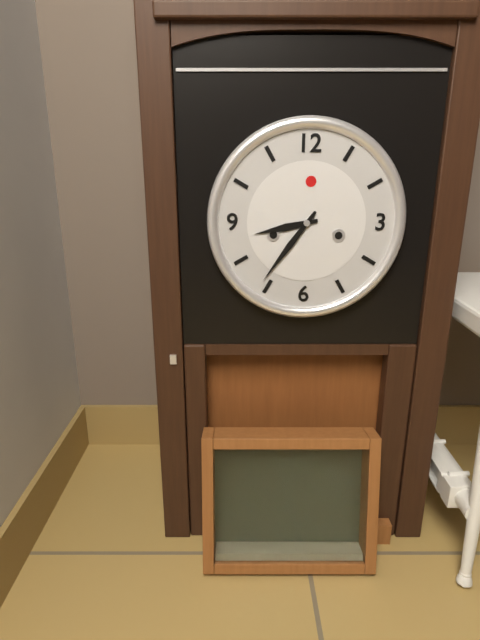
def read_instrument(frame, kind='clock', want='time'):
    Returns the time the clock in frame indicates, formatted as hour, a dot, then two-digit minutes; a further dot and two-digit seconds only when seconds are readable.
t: 8.36
